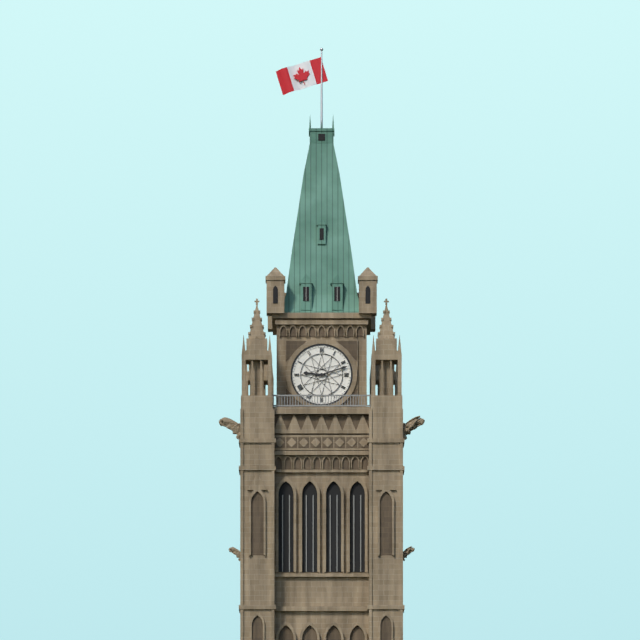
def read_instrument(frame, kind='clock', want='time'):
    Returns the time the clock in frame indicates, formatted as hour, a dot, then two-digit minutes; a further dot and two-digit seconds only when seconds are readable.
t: 9.12
